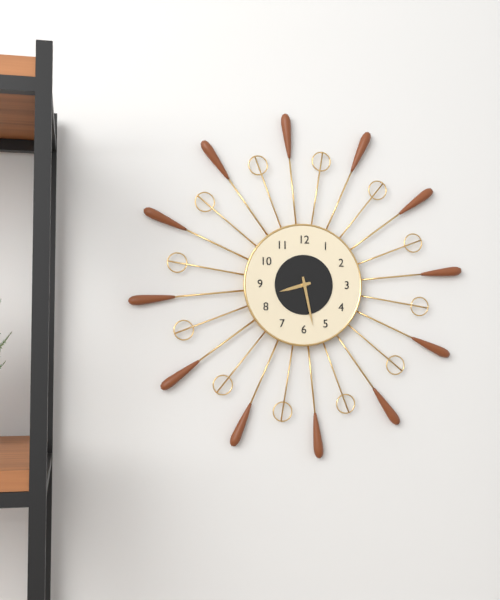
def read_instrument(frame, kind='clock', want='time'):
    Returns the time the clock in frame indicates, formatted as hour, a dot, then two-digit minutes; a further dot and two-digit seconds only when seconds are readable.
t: 8.28
